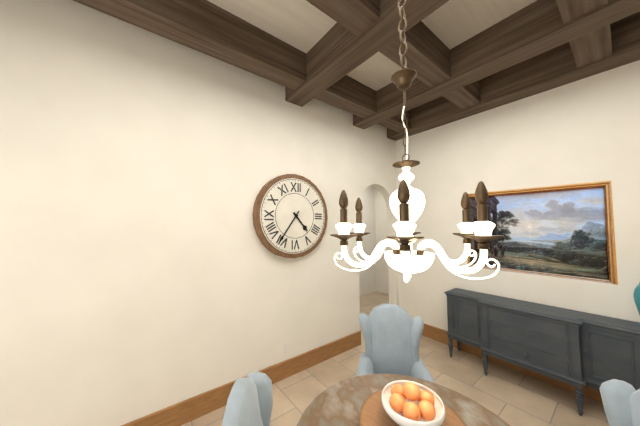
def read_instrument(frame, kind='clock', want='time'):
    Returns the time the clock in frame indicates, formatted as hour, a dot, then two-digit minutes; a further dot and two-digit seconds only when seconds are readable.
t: 4.36
